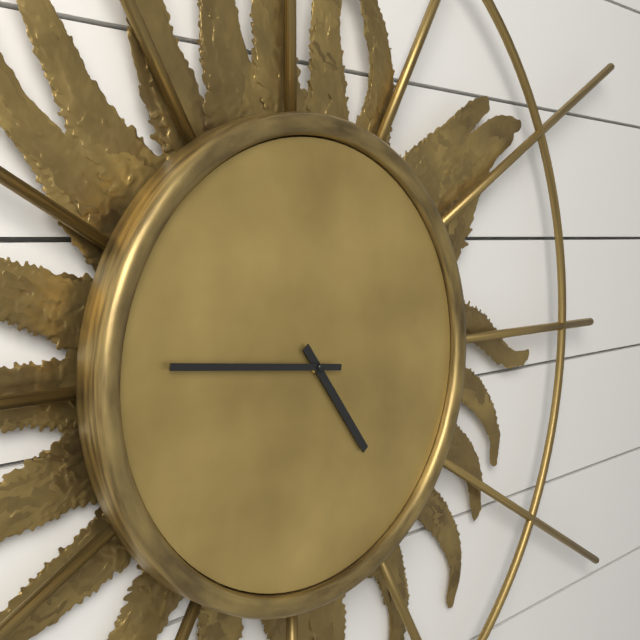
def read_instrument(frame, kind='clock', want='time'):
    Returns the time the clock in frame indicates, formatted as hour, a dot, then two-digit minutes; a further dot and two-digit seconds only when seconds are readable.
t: 4.46
